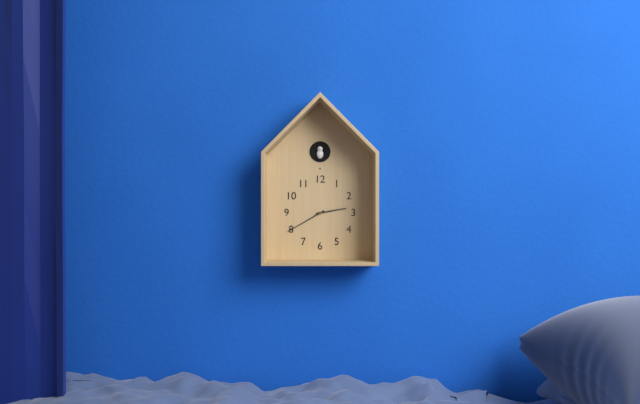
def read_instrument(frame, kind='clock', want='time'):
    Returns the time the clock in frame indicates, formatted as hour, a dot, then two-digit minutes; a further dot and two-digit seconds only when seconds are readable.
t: 2.40
